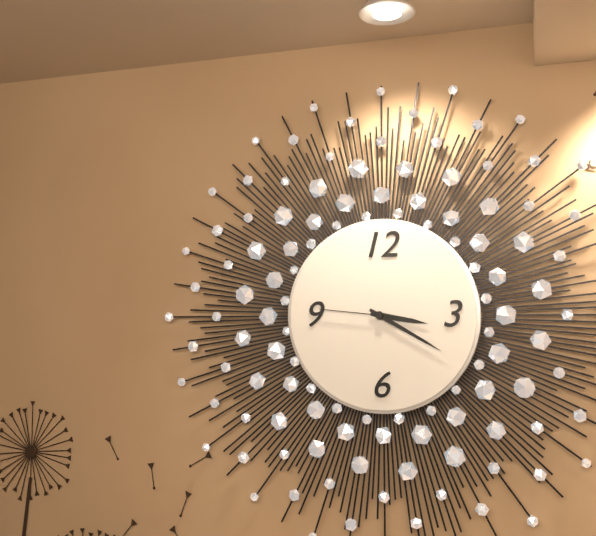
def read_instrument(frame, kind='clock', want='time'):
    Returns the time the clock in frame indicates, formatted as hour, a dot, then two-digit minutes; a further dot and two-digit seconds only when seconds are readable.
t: 3.20.46
